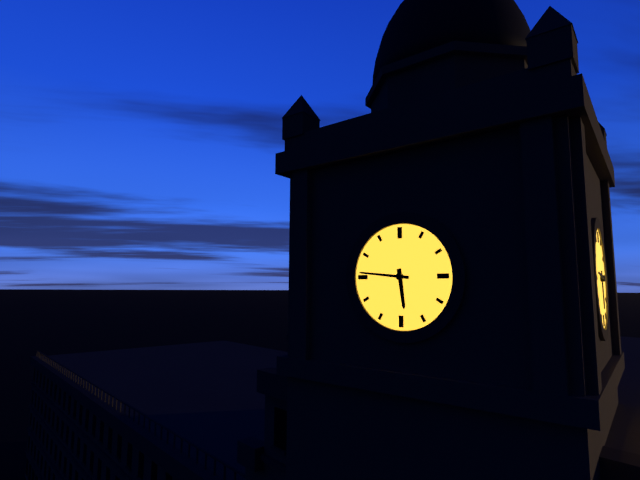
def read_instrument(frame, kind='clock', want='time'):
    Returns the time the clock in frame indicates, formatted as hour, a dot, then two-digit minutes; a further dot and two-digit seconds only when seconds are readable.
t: 5.46
